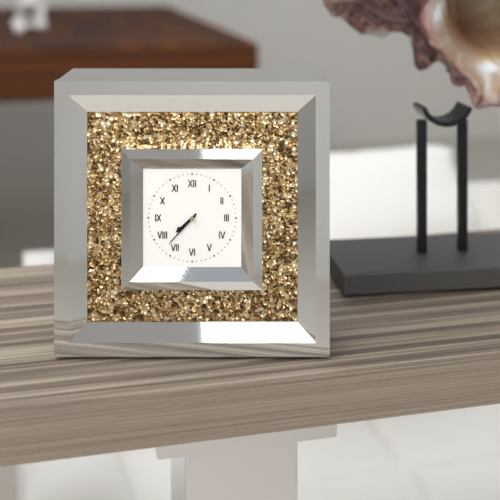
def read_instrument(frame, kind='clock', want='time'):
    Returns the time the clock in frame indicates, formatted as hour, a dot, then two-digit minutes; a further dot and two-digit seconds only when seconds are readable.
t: 7.37
